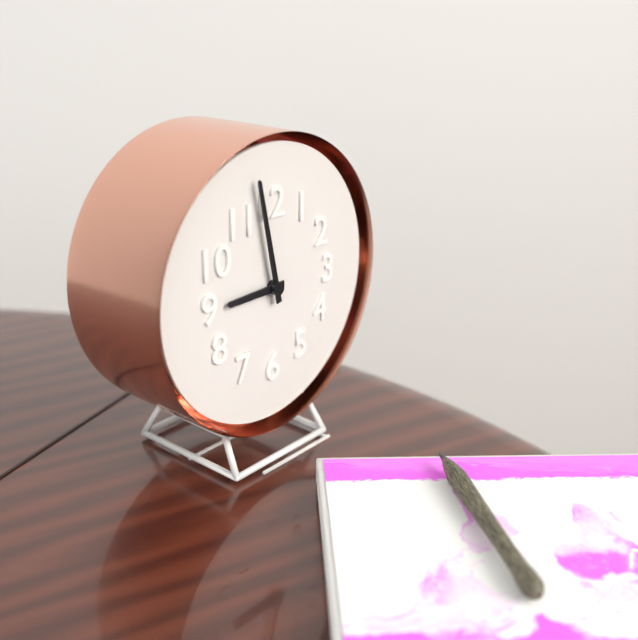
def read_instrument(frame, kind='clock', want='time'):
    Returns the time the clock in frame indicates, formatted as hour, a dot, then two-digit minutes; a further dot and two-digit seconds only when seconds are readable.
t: 8.58
